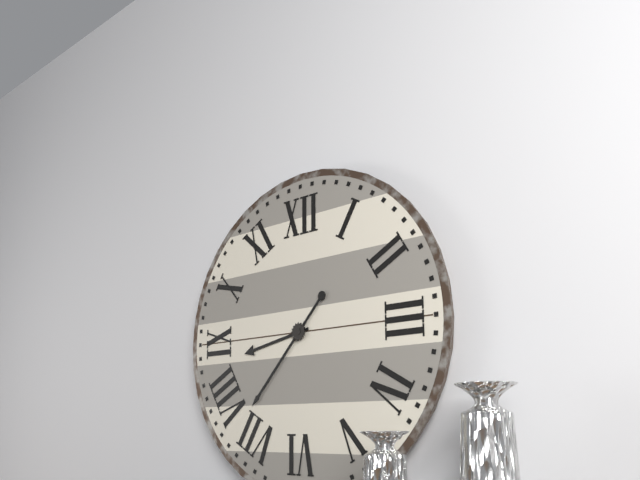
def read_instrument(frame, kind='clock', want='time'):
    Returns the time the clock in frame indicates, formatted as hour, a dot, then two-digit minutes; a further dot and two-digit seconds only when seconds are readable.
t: 8.37
